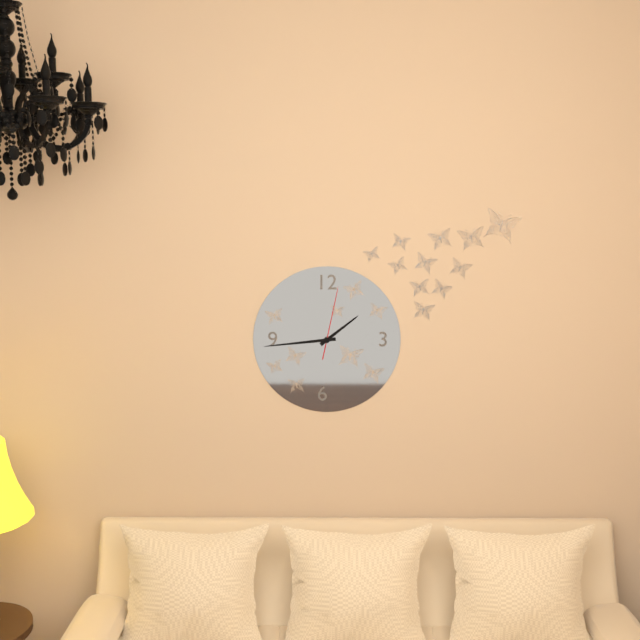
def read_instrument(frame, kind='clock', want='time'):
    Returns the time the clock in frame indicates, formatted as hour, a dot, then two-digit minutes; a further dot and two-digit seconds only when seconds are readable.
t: 1.44.02
